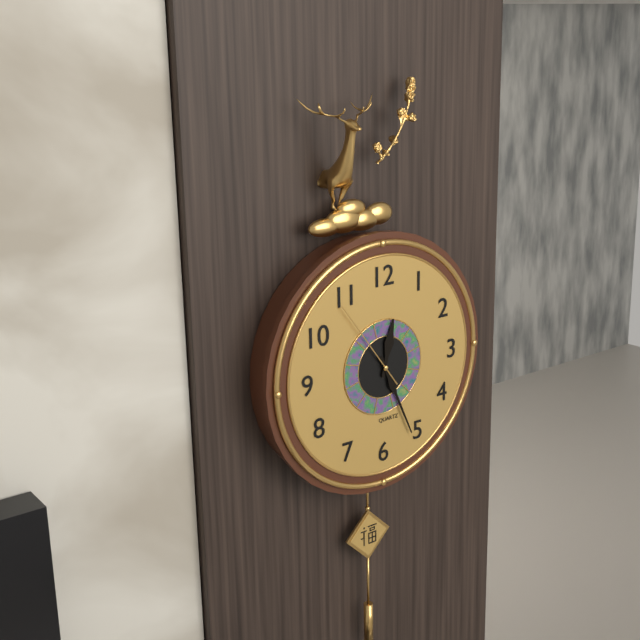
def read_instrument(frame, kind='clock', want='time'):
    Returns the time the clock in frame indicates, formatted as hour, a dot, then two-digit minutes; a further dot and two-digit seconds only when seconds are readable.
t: 12.26.54
